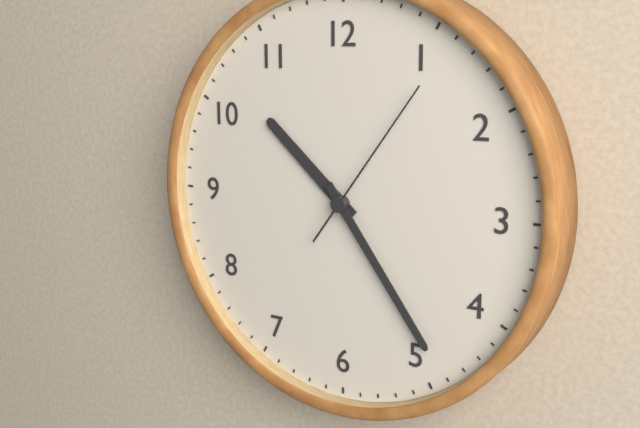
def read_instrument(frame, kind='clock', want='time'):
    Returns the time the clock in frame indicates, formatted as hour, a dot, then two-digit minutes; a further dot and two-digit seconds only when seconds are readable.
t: 10.24.06
